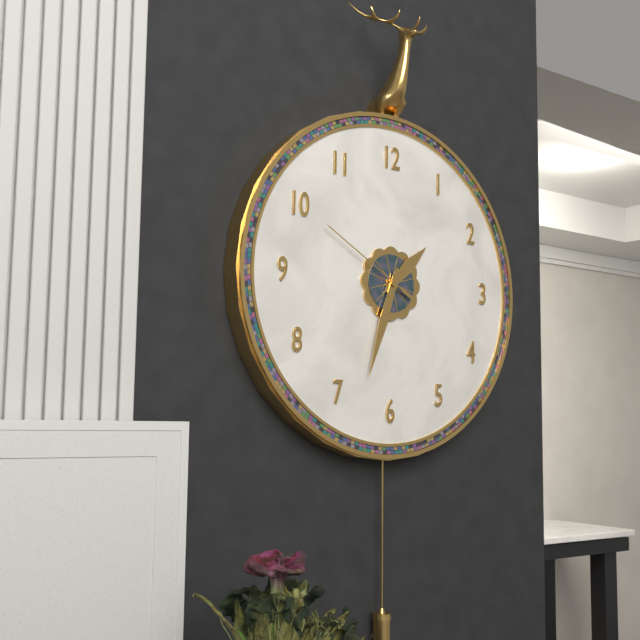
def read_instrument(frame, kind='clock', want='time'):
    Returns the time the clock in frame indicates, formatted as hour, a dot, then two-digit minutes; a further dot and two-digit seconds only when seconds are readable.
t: 1.33.50
